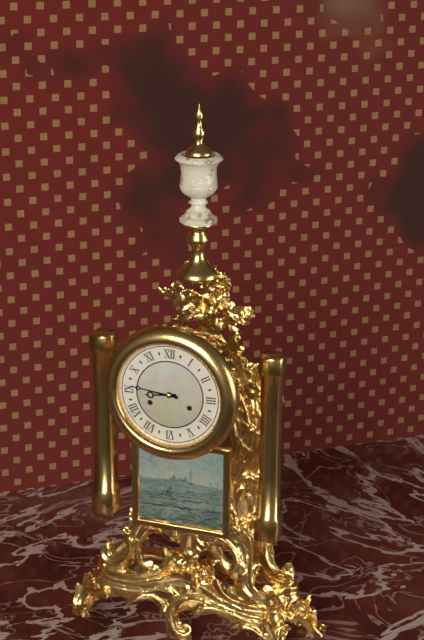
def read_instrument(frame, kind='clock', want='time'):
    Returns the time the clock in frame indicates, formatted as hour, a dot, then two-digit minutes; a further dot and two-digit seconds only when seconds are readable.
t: 8.46
